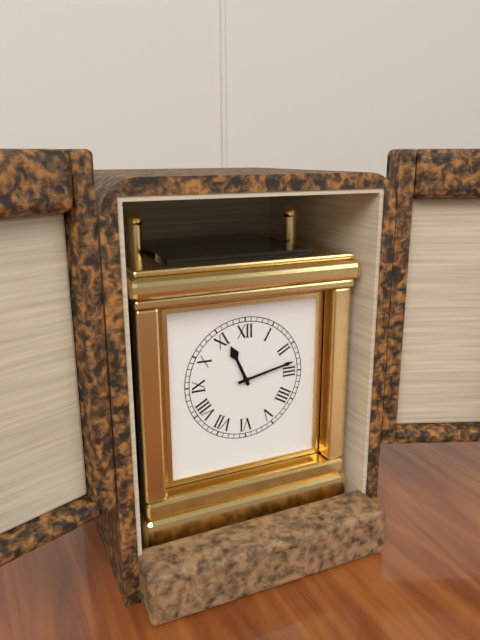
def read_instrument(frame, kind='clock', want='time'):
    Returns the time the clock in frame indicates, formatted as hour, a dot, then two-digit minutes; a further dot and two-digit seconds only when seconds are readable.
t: 11.13
